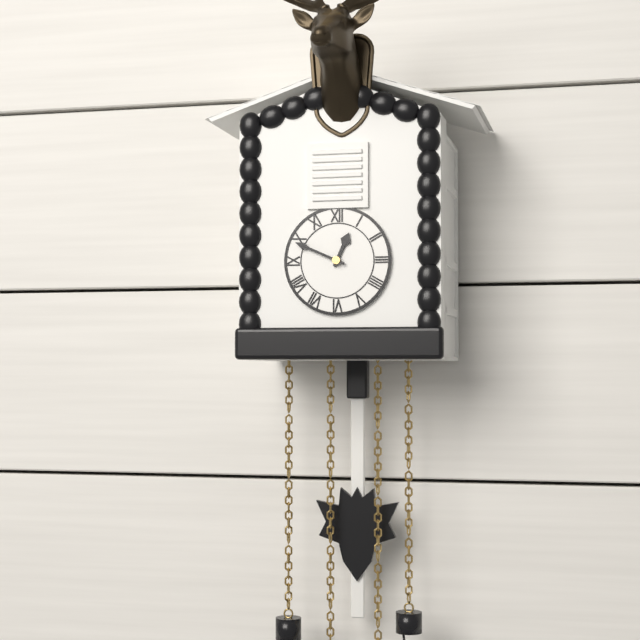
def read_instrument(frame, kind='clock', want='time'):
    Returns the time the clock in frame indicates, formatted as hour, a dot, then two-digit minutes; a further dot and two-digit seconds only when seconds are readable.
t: 12.49
